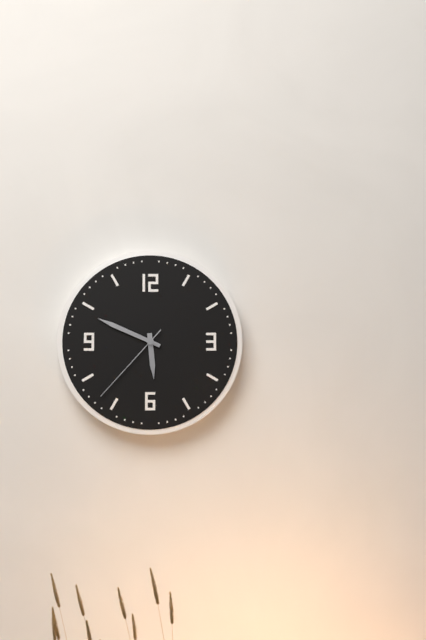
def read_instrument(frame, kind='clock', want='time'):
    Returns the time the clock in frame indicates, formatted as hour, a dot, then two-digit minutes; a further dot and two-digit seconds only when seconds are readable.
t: 5.49.37
